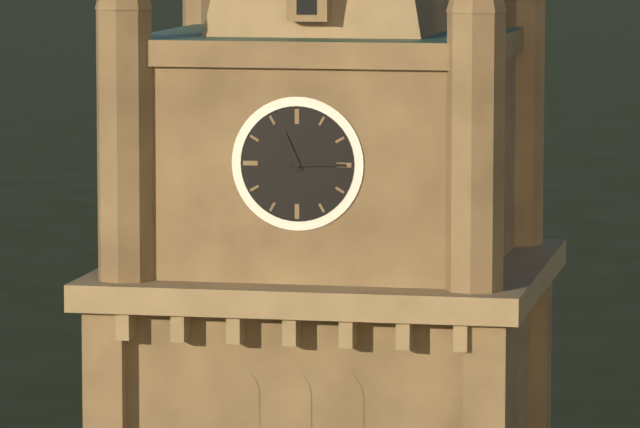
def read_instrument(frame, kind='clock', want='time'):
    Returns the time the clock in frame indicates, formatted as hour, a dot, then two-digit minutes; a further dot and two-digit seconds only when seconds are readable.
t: 11.15
